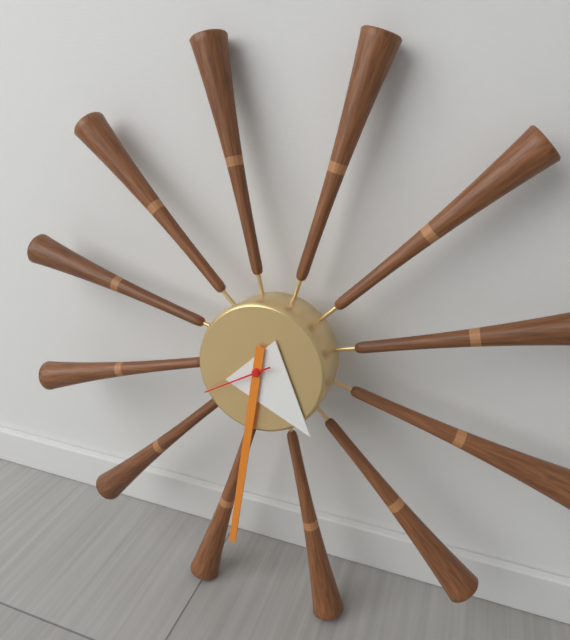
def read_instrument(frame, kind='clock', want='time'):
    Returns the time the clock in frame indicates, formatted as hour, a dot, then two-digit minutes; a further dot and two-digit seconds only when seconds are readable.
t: 4.31.40
